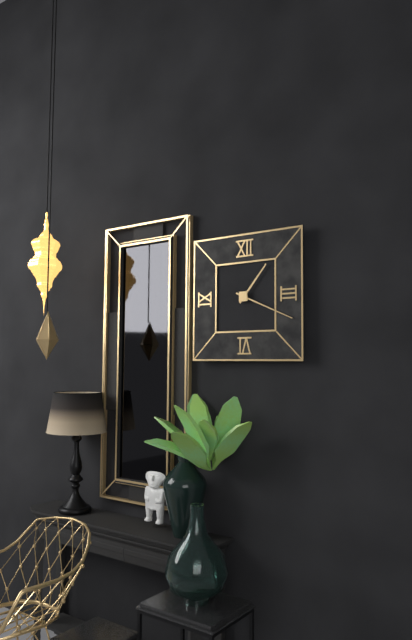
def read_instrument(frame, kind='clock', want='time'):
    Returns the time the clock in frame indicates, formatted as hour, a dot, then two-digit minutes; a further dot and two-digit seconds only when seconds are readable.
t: 1.19
